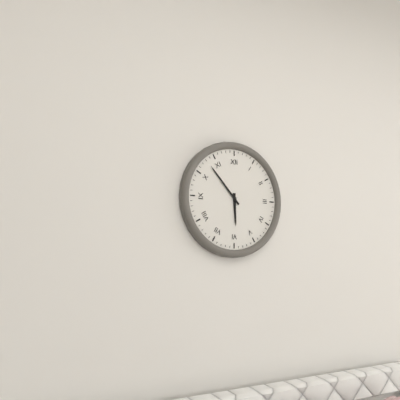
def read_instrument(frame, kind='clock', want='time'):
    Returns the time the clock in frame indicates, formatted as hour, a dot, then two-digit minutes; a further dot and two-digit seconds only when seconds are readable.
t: 5.53
